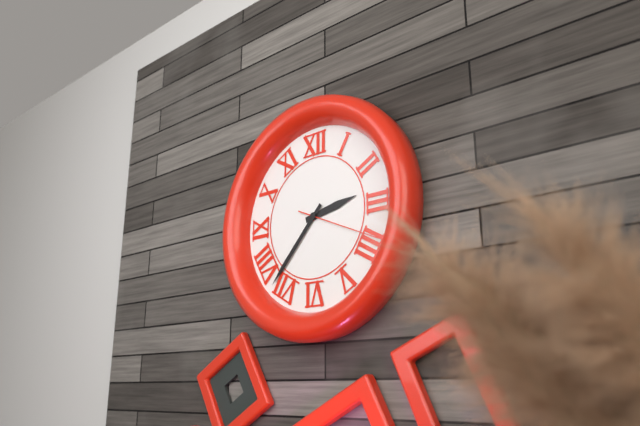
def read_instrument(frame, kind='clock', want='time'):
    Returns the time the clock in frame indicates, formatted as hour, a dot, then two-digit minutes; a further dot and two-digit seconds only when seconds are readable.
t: 2.37.19
